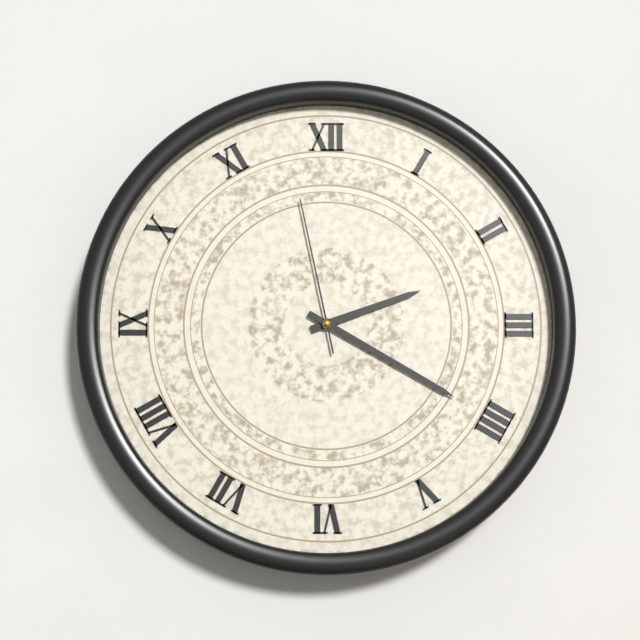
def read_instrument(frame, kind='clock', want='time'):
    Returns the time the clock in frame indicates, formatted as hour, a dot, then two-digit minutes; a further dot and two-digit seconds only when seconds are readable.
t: 2.20.58
